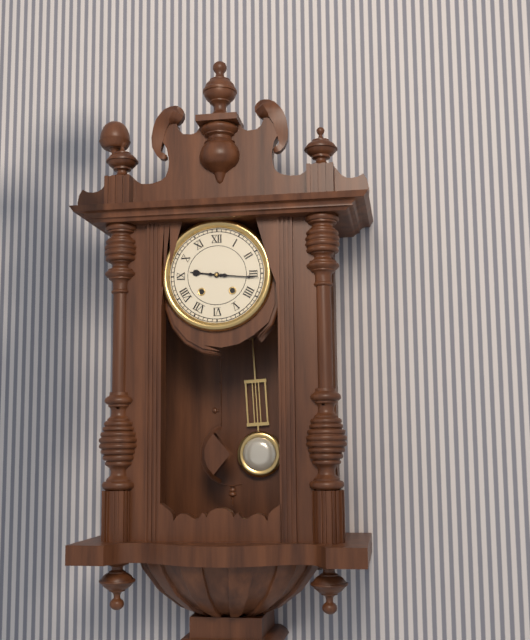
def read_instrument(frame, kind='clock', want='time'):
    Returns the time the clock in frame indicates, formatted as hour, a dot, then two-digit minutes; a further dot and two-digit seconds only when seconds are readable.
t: 9.16
